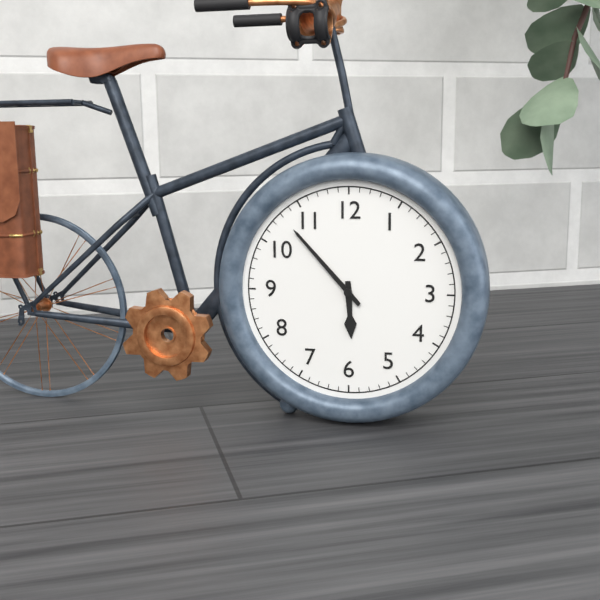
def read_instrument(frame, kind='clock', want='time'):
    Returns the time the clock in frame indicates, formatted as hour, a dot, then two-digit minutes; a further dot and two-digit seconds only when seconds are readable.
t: 5.53
